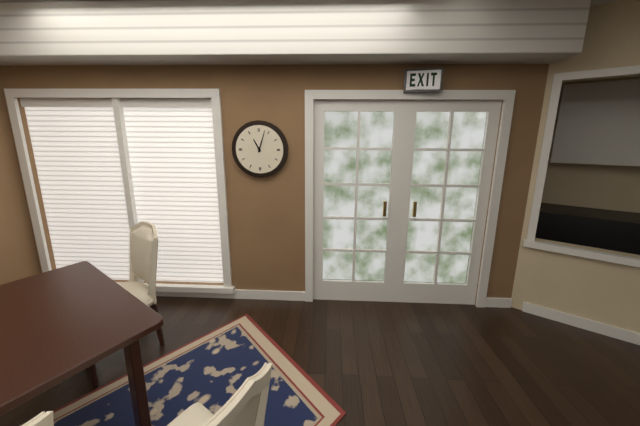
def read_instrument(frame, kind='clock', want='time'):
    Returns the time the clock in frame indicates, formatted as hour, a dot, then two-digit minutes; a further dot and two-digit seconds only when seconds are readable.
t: 11.03
